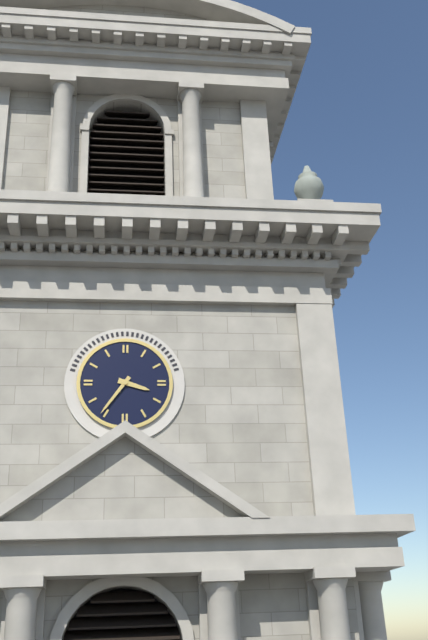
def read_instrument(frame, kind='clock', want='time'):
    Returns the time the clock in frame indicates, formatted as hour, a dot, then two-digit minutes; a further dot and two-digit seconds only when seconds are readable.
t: 3.36
